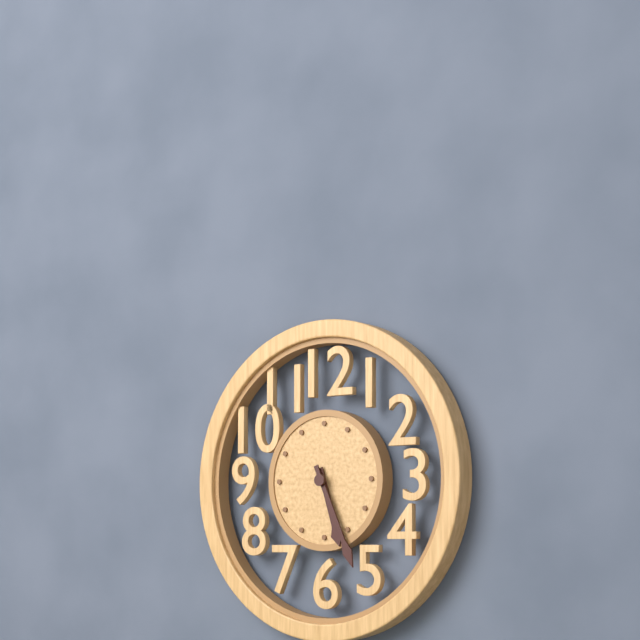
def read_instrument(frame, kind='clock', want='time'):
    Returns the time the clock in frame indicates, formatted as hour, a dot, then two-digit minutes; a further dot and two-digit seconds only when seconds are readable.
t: 5.26
